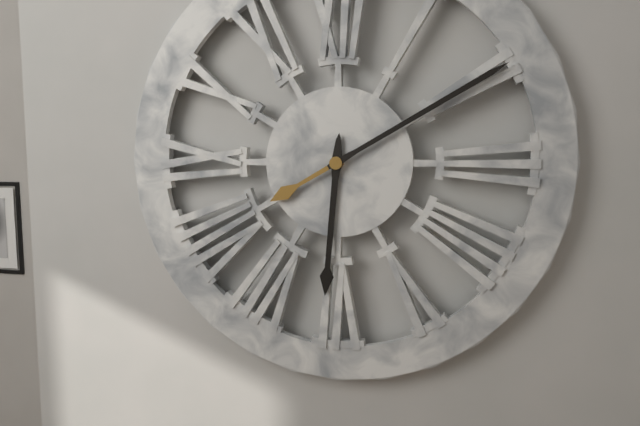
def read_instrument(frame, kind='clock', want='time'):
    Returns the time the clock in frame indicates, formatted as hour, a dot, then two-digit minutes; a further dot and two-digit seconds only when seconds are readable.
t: 6.10
